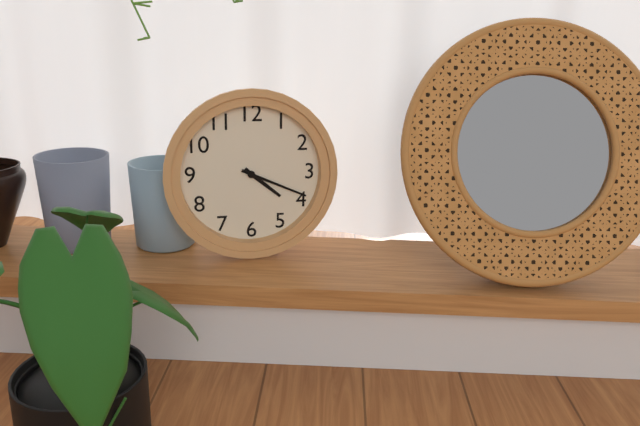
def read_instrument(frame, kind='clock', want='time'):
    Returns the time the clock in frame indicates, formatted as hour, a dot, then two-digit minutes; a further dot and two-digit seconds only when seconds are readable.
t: 4.19
